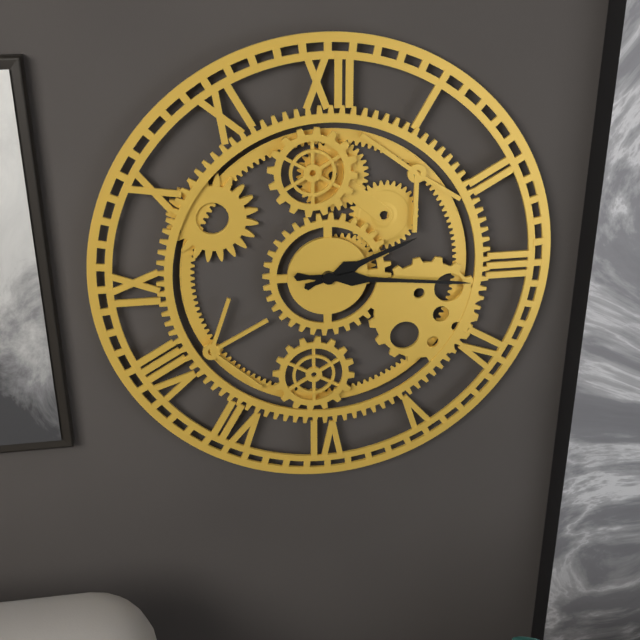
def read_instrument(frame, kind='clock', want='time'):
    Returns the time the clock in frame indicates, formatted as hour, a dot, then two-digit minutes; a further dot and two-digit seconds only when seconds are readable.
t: 2.16
